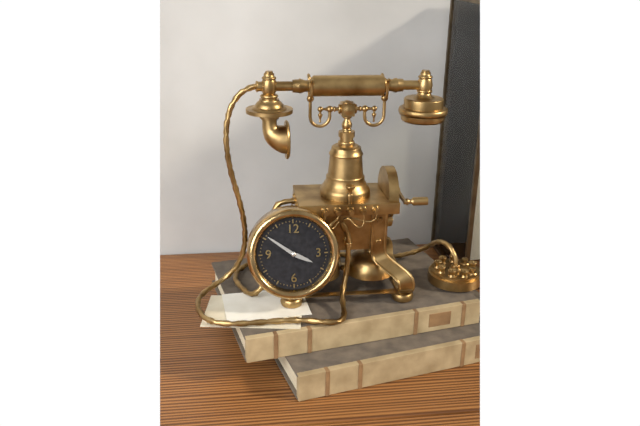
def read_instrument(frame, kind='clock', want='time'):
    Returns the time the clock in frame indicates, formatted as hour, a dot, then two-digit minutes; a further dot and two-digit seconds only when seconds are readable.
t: 3.51
